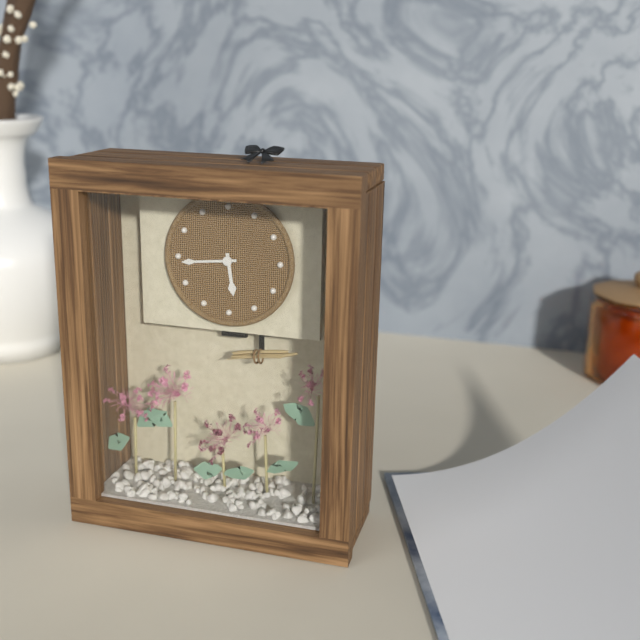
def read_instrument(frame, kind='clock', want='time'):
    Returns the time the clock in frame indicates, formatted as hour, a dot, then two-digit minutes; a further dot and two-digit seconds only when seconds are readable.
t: 5.44
